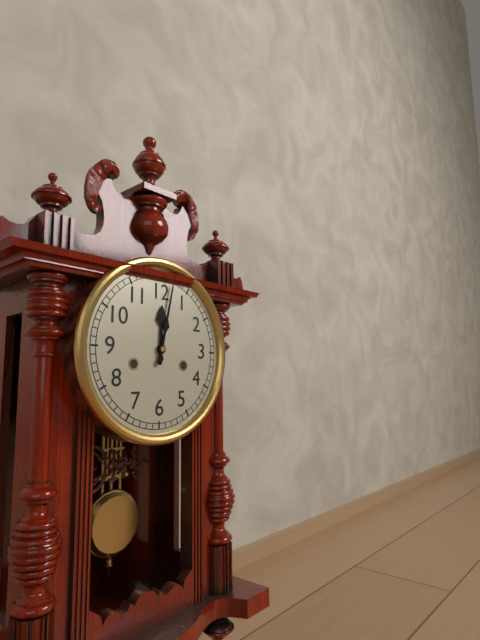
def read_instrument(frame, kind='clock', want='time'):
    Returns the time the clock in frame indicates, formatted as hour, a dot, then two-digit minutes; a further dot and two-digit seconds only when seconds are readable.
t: 12.02
